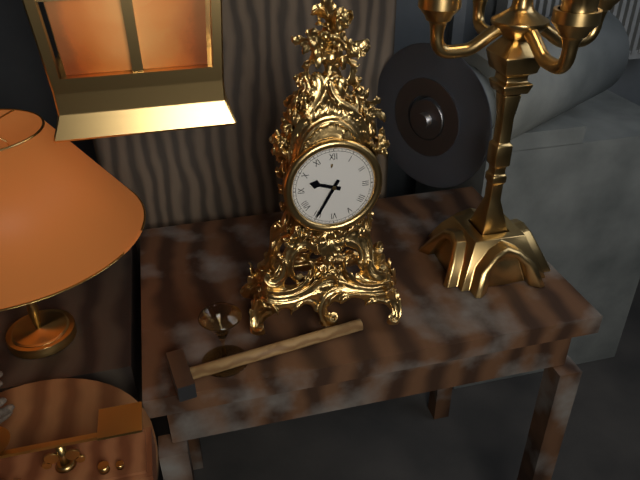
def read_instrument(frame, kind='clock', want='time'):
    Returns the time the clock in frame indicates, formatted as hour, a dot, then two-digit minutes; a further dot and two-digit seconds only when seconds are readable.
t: 9.35
